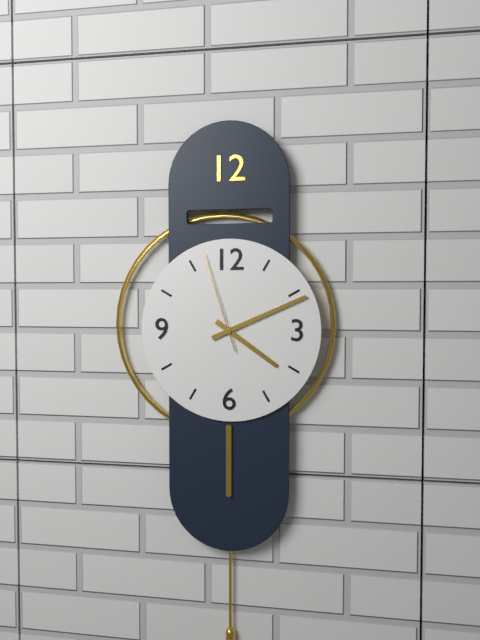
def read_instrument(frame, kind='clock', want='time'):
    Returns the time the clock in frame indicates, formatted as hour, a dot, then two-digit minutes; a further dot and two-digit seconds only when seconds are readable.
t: 4.11.57
